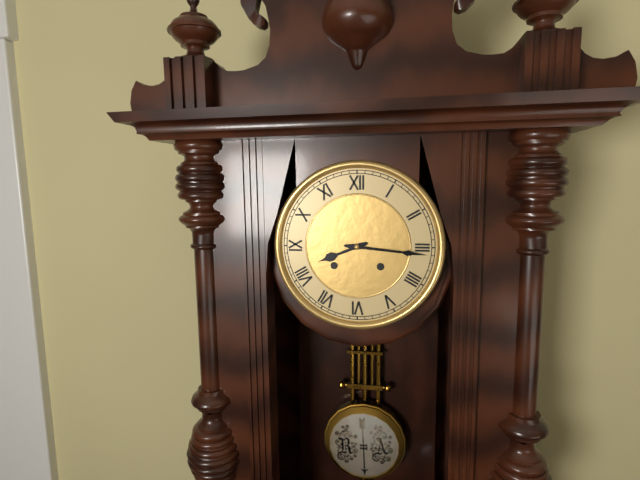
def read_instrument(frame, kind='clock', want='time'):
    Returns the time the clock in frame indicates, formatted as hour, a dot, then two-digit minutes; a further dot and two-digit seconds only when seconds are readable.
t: 8.16
